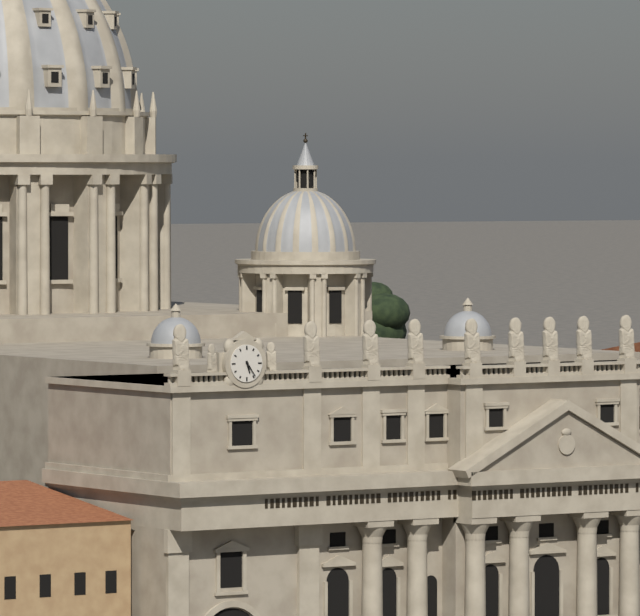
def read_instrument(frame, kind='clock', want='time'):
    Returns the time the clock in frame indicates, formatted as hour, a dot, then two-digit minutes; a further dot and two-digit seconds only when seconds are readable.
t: 5.24
